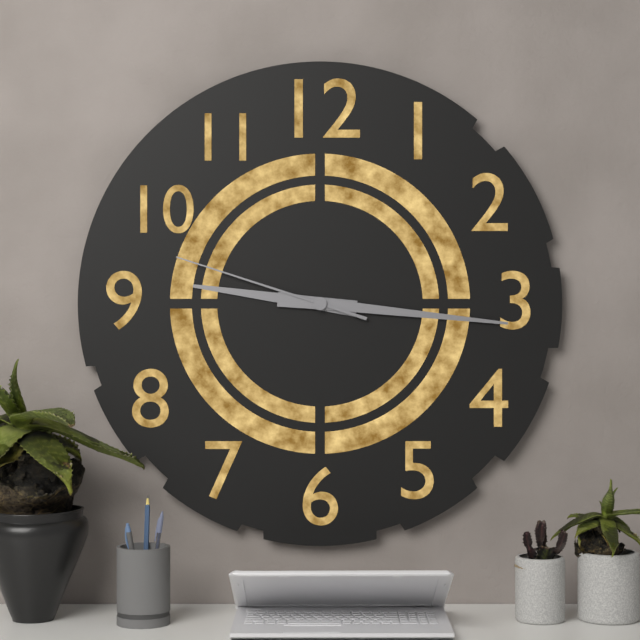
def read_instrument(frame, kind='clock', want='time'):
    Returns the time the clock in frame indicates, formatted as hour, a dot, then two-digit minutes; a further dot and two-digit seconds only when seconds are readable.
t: 9.16.48
